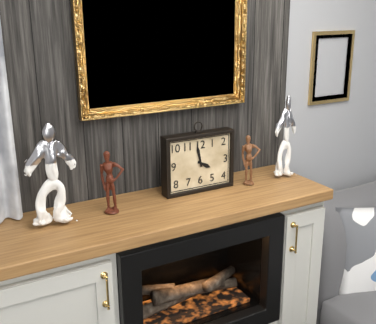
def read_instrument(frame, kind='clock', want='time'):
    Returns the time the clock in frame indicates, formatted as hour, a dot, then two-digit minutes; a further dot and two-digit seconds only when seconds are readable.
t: 3.58
